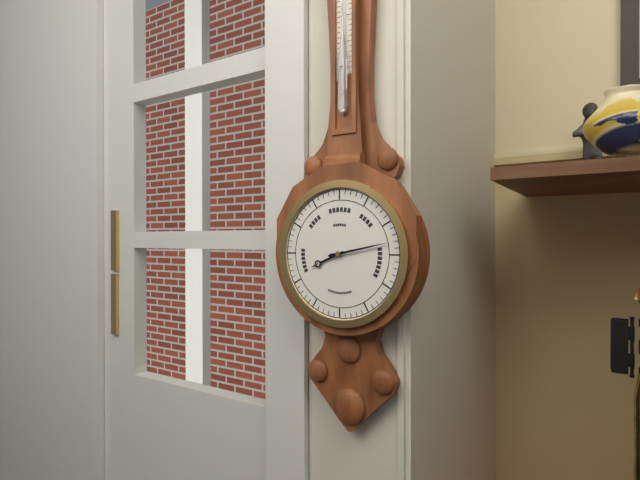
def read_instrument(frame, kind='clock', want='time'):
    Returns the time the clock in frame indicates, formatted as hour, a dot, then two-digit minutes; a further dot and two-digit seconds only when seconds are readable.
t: 8.13
